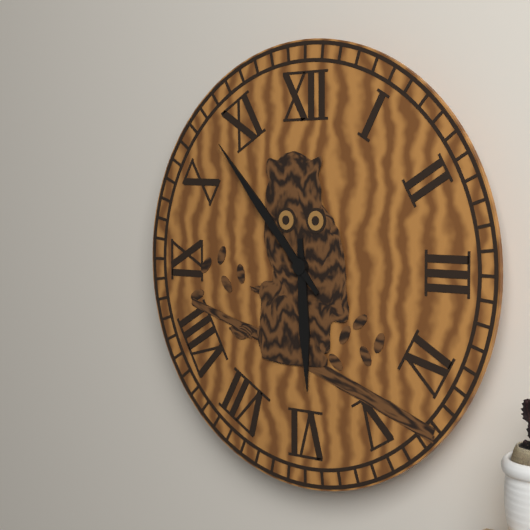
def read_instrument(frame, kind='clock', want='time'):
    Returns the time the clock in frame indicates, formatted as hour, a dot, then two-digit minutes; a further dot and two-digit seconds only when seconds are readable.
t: 5.53
